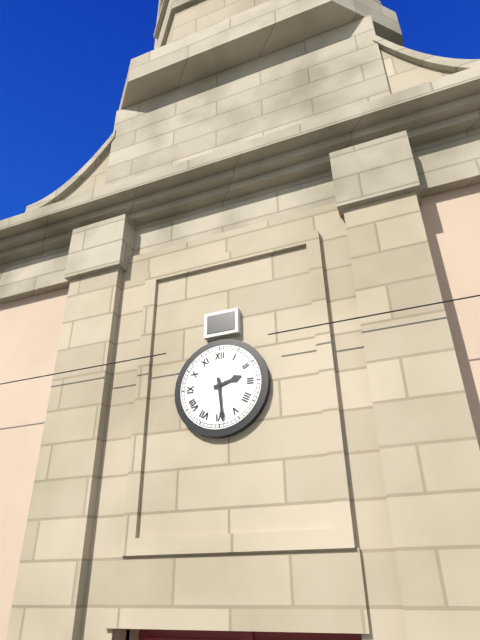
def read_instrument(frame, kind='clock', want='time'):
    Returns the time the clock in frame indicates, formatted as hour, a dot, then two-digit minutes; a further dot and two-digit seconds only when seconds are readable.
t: 2.29
